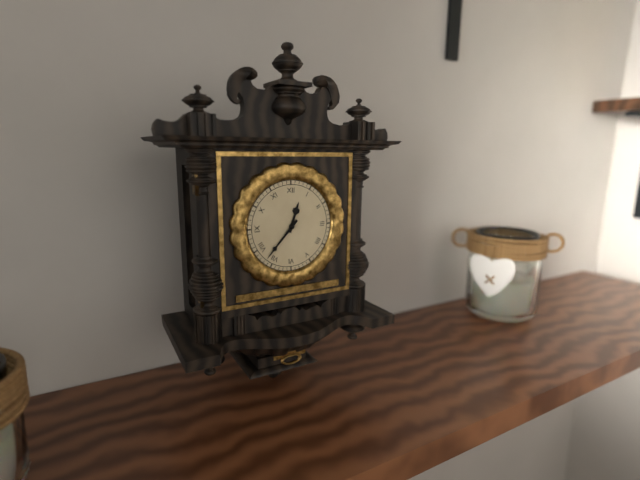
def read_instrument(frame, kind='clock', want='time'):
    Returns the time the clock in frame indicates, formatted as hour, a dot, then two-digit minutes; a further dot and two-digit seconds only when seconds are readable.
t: 12.37
